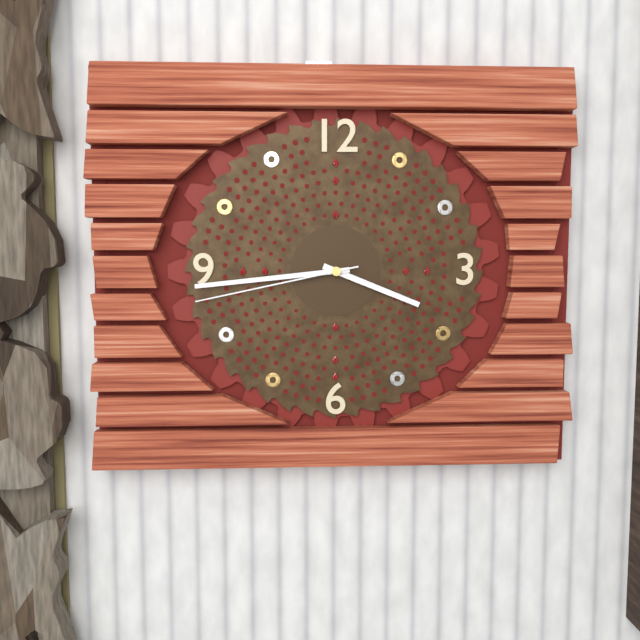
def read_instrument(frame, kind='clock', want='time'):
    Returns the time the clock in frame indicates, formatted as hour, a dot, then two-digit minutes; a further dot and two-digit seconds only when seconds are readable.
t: 3.44.43
